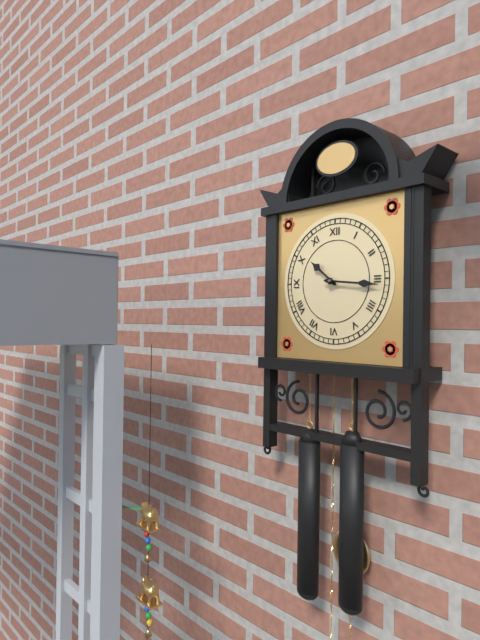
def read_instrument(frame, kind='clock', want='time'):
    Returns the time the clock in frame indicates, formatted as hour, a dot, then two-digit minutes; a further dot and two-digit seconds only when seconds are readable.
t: 10.16
